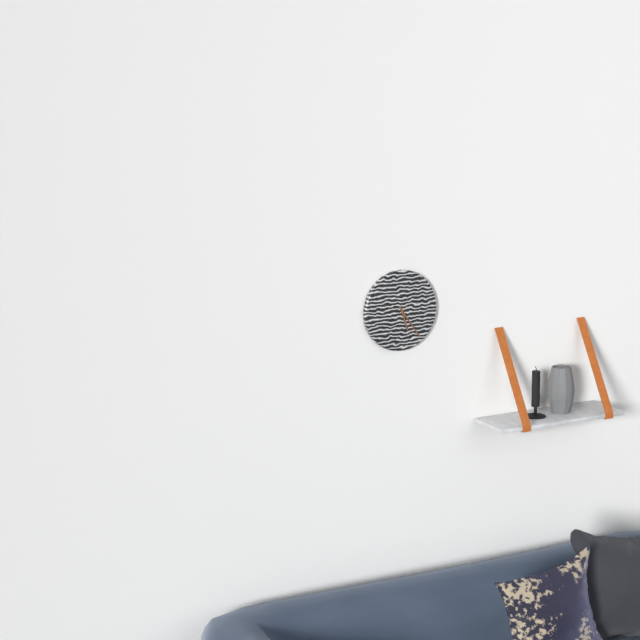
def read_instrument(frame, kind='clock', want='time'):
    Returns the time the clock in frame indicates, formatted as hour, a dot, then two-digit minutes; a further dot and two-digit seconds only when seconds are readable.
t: 5.24
